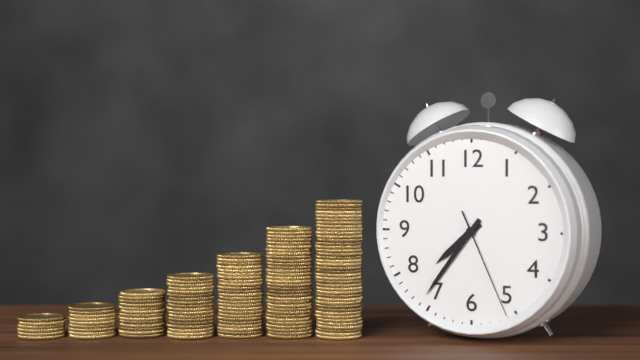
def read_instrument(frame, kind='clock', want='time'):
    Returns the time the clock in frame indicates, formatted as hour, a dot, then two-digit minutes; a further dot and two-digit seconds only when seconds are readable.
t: 7.36.26
